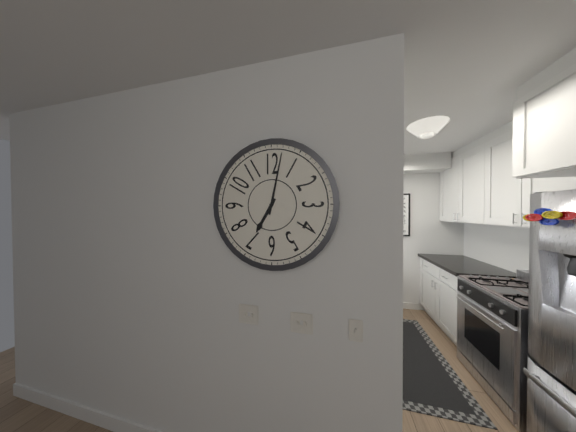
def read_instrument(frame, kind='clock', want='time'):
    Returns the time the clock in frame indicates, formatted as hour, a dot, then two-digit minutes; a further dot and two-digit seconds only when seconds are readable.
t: 7.02
